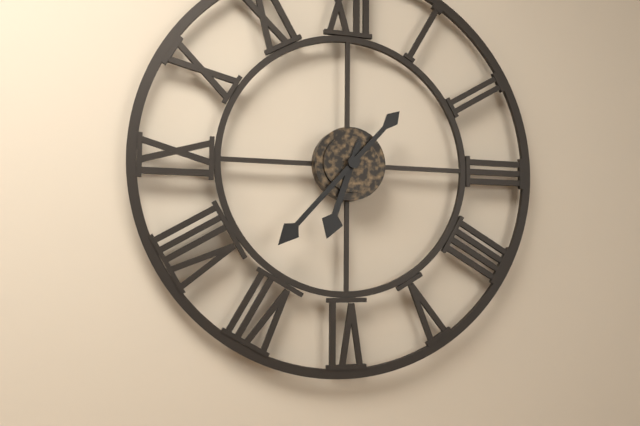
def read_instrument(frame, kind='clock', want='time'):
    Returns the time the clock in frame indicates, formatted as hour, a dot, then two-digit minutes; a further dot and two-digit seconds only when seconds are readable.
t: 6.37
